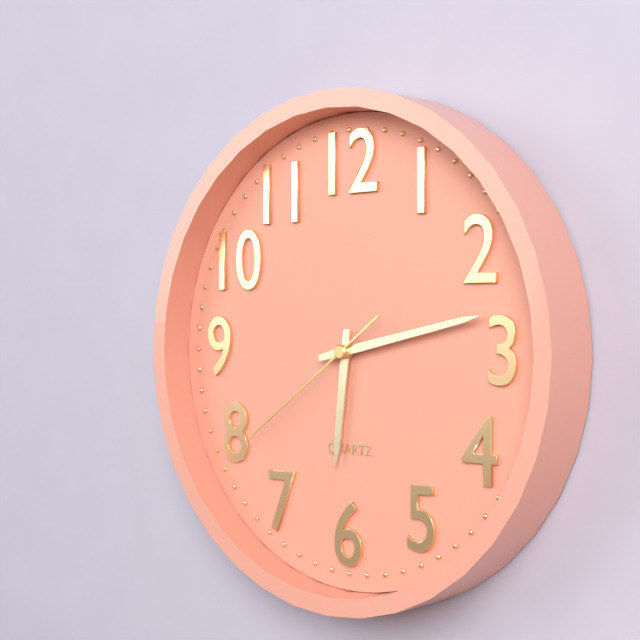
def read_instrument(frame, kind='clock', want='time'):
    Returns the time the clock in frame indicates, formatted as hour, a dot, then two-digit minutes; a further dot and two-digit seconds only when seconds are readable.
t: 6.13.39
